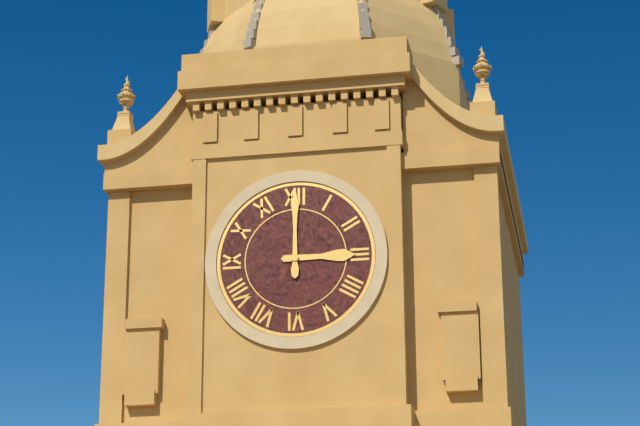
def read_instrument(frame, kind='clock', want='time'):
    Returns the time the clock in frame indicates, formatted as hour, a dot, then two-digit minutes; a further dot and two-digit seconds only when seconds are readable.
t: 3.00
